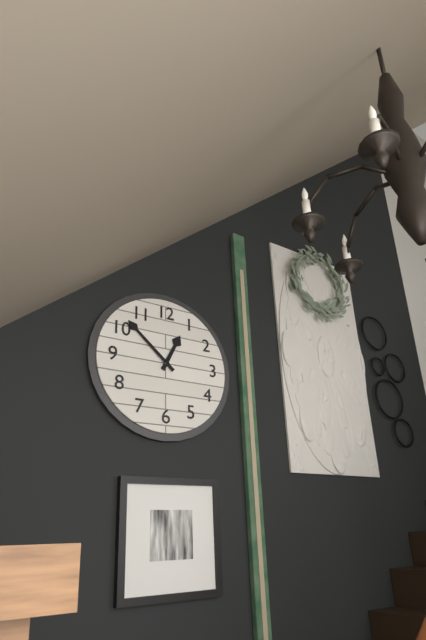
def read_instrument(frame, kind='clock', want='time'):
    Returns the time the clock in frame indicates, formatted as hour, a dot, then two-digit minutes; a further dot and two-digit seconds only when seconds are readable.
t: 12.52
